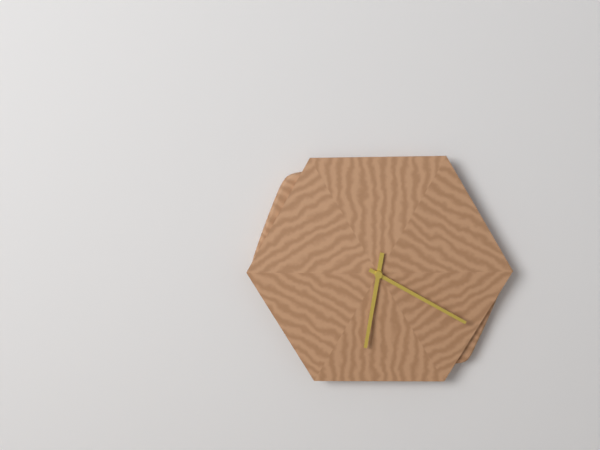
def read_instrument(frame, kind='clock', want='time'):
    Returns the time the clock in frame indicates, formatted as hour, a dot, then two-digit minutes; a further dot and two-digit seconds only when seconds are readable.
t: 6.20
